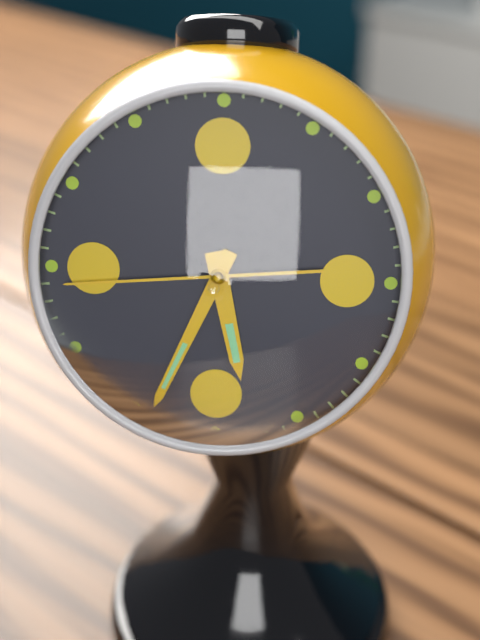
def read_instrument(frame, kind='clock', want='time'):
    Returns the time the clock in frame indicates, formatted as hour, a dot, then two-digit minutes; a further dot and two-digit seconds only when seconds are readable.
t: 5.34.44
